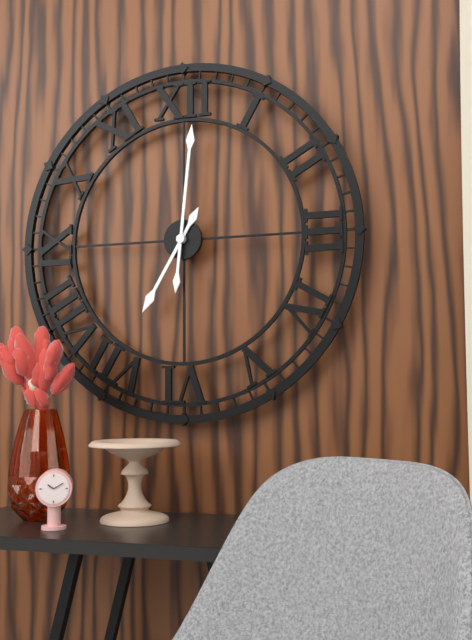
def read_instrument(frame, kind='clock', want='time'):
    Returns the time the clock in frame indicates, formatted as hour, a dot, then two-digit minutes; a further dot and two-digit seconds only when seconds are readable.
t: 7.01
